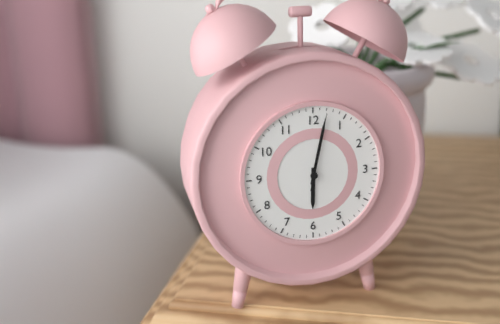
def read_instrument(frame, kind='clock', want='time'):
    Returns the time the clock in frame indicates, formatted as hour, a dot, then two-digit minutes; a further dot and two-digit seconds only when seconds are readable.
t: 6.02.02
